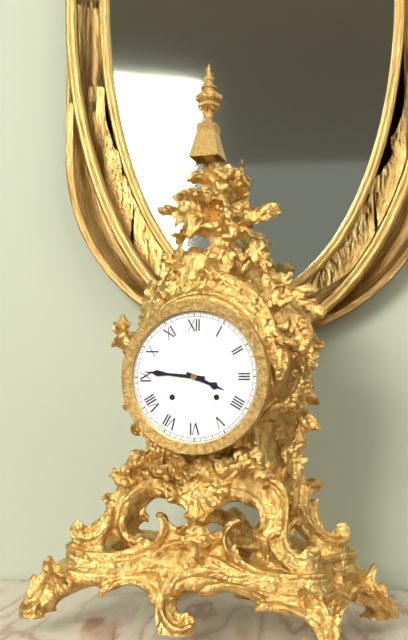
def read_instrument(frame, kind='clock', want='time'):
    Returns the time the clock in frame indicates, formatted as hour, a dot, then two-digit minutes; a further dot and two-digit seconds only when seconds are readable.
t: 3.46
